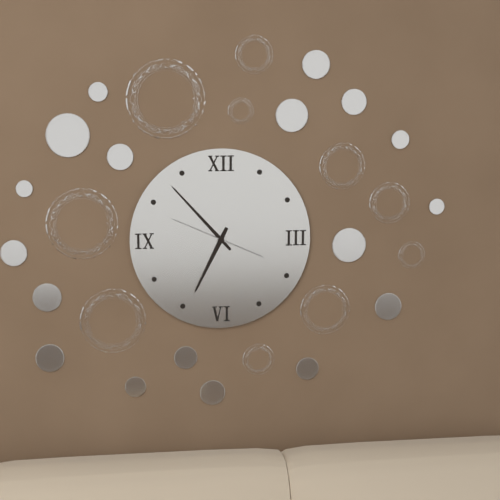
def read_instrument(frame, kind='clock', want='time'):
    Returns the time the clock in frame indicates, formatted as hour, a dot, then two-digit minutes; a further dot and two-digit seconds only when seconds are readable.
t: 6.53.49
